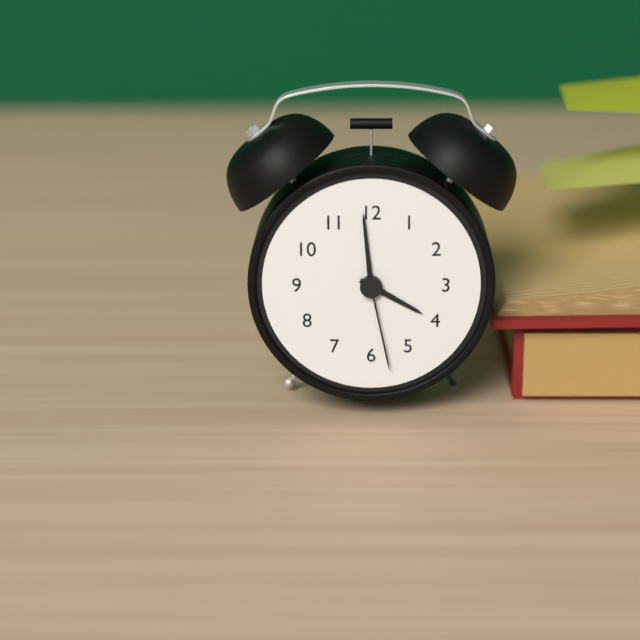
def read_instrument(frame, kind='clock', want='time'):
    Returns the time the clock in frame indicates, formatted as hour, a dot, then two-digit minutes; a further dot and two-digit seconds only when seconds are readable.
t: 3.59.28
